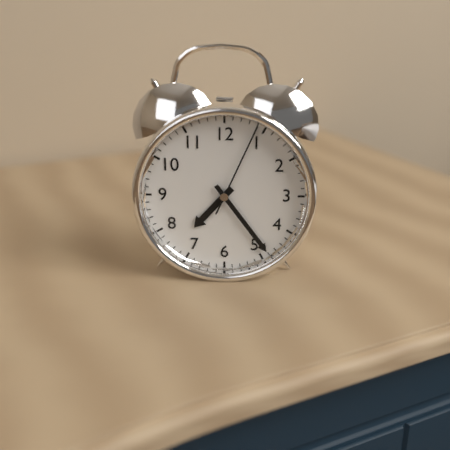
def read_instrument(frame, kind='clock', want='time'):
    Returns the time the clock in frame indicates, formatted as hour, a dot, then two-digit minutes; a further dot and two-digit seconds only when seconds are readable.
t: 7.24.04
